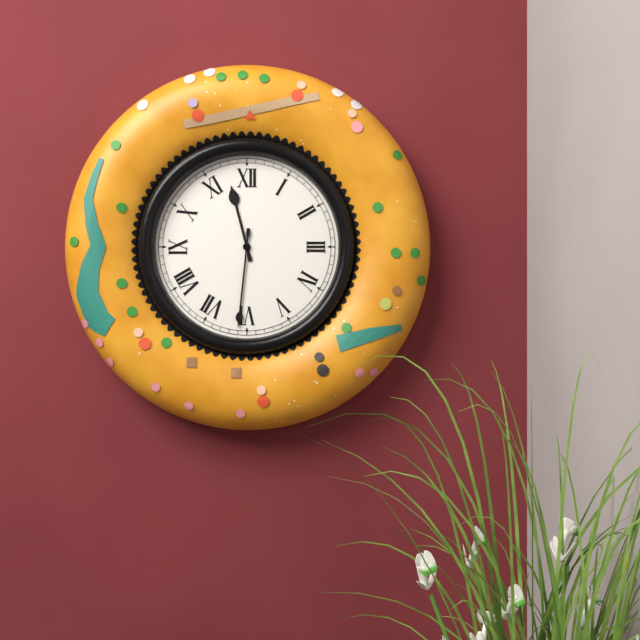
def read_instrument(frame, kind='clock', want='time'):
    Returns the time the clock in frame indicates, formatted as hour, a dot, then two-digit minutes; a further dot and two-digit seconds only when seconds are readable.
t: 11.31
